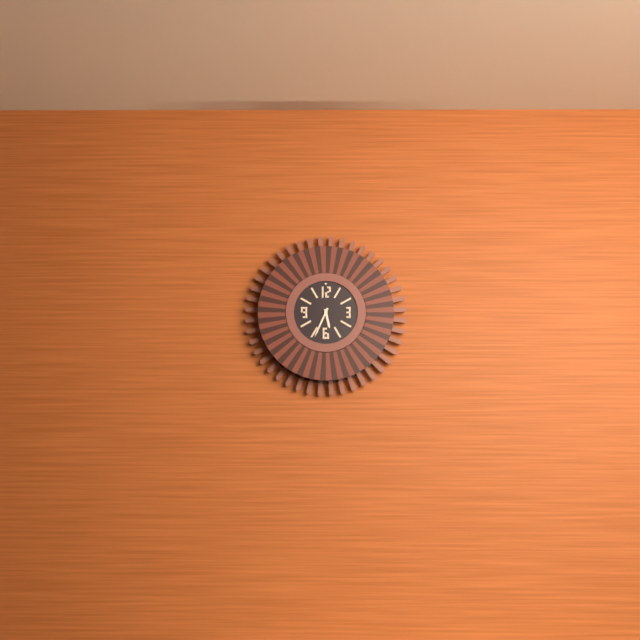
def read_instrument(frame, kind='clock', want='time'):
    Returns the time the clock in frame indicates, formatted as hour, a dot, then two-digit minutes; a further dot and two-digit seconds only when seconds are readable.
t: 5.34
